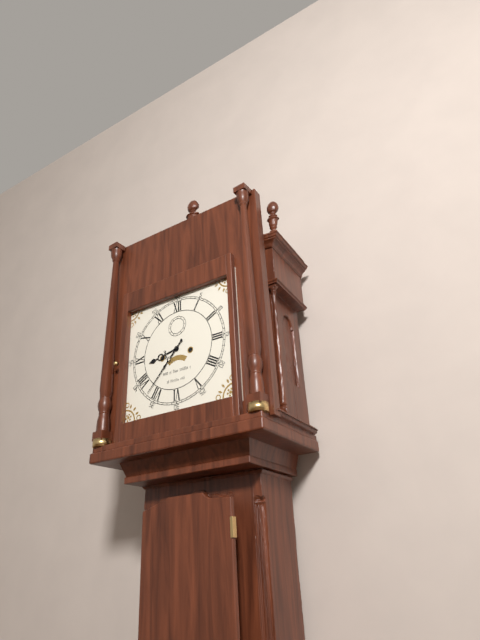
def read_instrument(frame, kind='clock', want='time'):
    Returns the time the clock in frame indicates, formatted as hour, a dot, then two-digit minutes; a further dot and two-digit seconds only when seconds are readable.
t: 8.37
